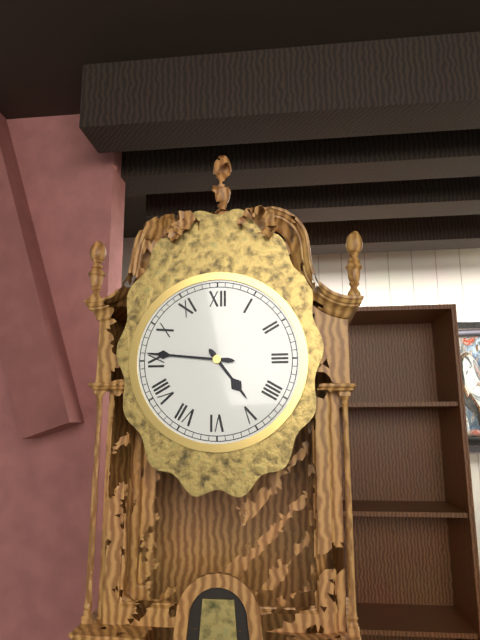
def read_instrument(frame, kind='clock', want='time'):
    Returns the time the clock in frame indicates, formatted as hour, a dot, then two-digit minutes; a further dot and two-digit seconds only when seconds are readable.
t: 4.46
